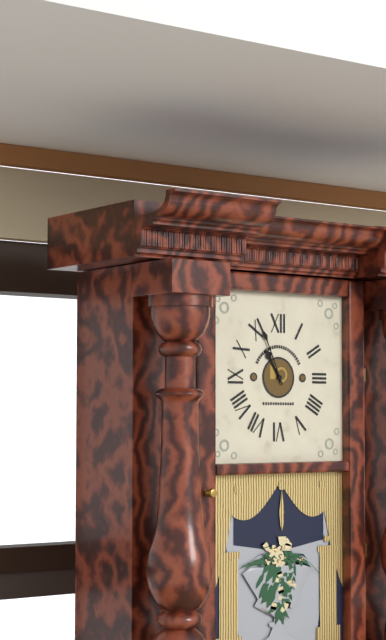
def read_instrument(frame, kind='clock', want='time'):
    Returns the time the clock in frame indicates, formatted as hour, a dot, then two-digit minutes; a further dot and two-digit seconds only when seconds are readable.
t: 10.56
